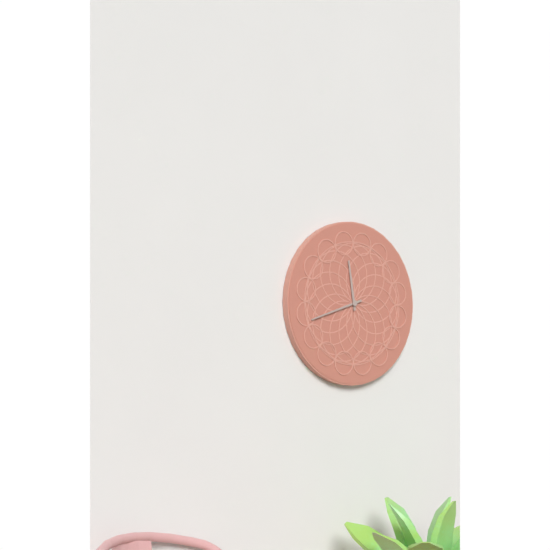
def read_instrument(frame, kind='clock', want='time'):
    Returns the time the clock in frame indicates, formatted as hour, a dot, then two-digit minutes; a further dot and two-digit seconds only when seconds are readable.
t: 11.42
